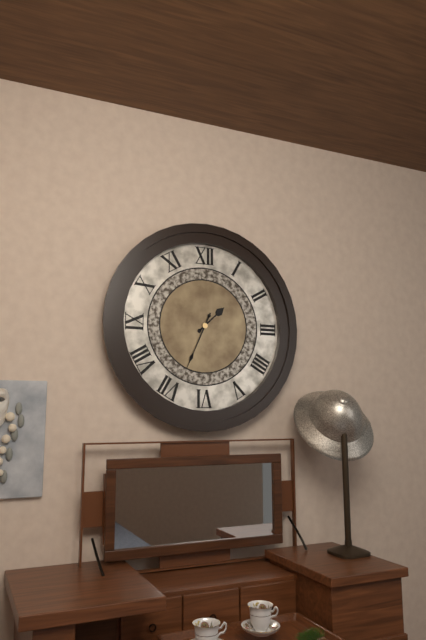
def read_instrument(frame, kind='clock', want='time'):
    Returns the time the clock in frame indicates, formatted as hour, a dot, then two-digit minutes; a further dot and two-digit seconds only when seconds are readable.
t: 1.34
